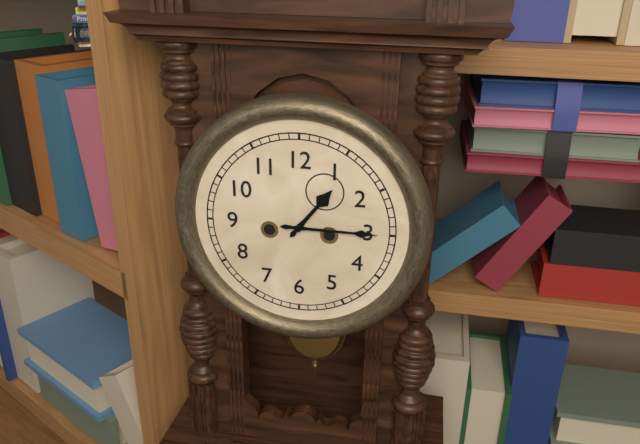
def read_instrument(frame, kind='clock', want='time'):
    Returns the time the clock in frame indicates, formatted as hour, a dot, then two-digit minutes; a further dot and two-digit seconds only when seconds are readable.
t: 1.15
